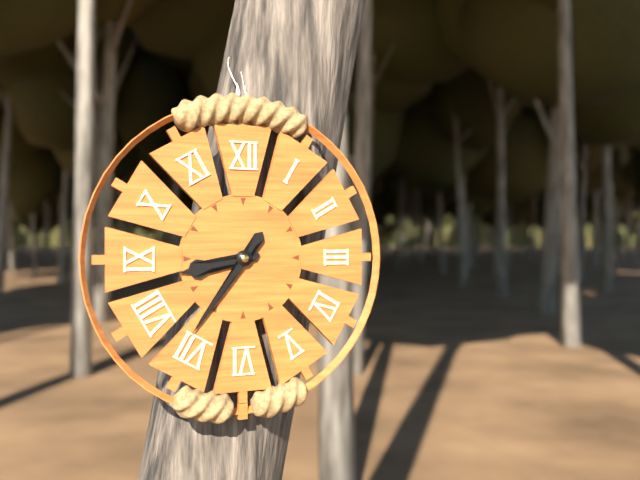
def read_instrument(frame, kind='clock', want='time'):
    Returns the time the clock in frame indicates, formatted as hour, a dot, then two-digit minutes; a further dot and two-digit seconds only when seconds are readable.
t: 8.36
